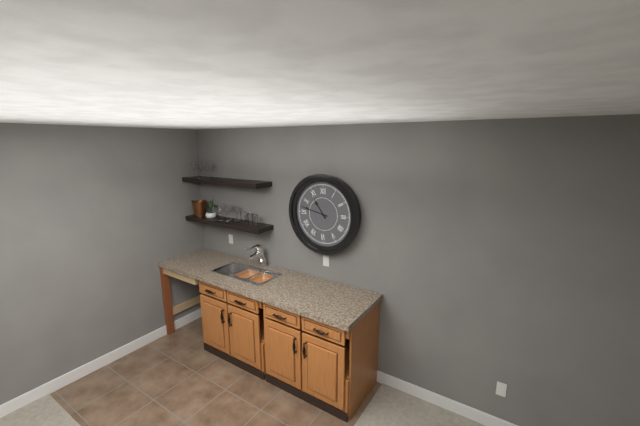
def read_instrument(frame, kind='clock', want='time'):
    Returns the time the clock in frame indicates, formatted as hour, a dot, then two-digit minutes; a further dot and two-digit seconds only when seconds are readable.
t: 10.47
